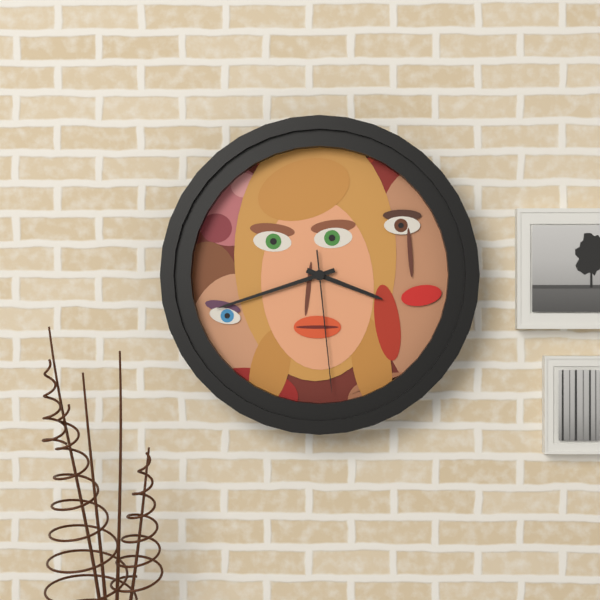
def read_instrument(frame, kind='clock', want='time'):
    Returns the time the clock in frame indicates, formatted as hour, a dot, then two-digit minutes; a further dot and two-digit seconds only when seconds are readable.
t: 3.42.29
